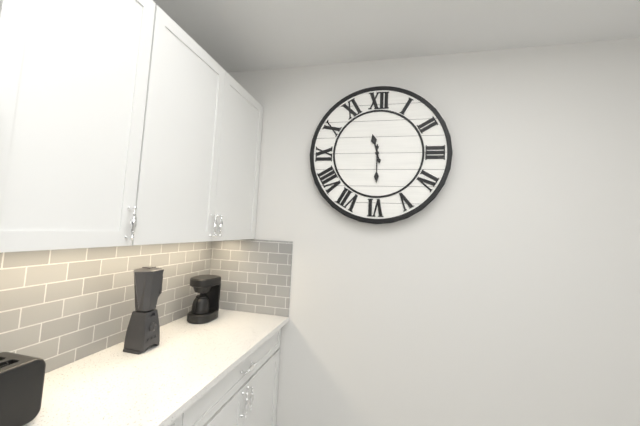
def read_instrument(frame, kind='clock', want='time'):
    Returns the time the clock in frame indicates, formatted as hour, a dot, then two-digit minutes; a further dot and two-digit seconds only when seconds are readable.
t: 11.30
